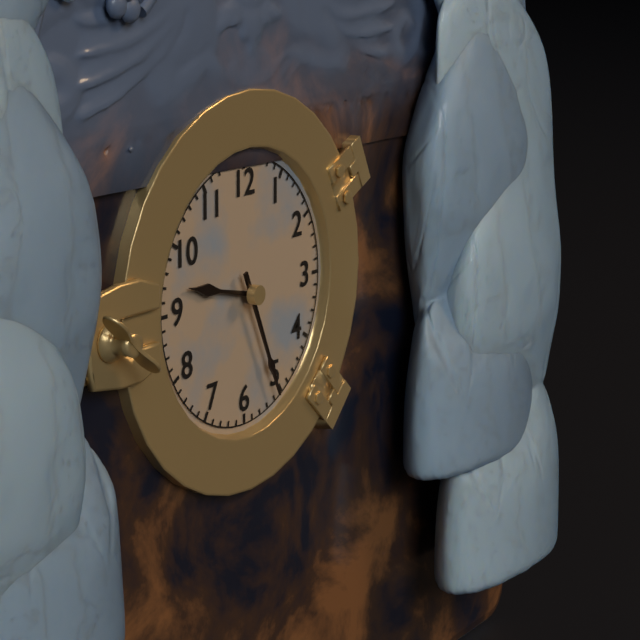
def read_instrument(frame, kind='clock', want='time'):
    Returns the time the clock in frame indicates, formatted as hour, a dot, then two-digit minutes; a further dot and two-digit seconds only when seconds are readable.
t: 9.26
